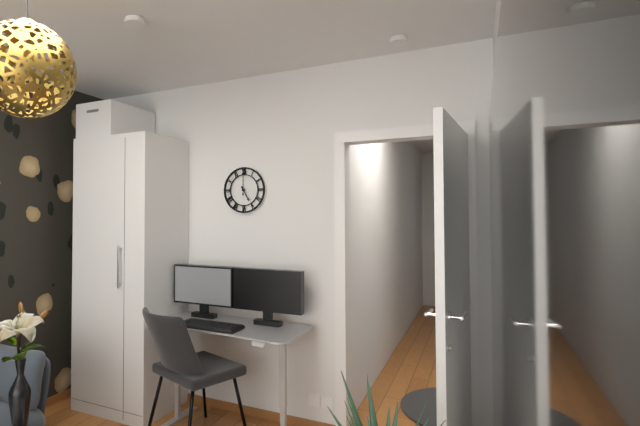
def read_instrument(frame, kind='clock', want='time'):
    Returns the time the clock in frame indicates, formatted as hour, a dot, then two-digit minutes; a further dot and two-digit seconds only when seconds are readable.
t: 5.00
